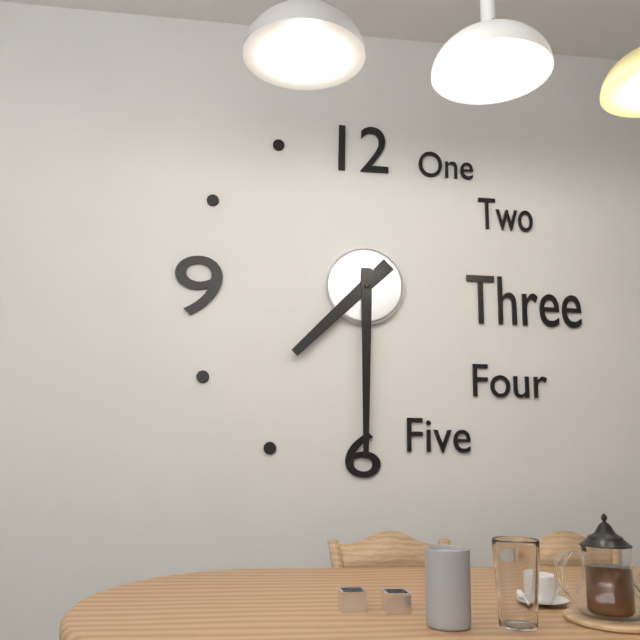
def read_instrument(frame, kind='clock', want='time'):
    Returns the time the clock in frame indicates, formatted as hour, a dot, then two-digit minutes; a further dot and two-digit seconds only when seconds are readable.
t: 7.30
